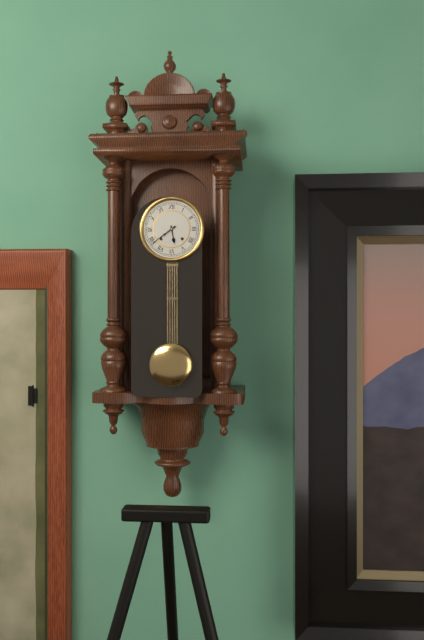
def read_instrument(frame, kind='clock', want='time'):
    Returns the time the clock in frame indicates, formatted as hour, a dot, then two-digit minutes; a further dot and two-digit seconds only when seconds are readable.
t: 5.39
